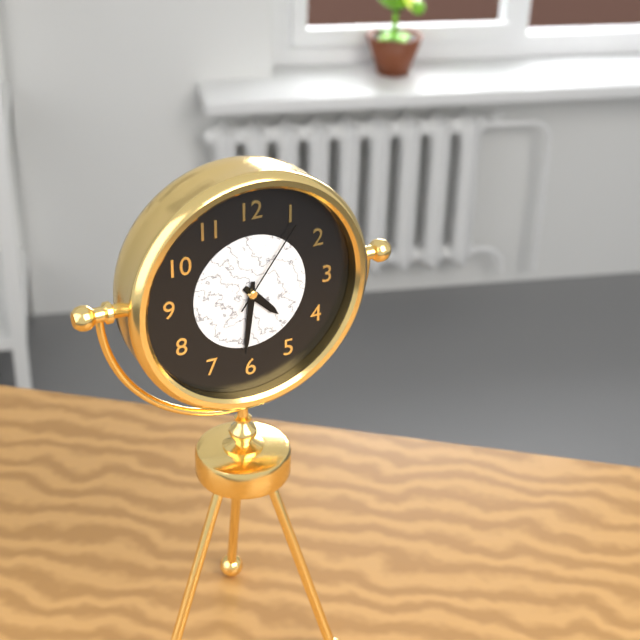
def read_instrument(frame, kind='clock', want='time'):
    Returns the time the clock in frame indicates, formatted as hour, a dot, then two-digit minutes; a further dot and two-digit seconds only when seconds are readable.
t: 4.31.06
